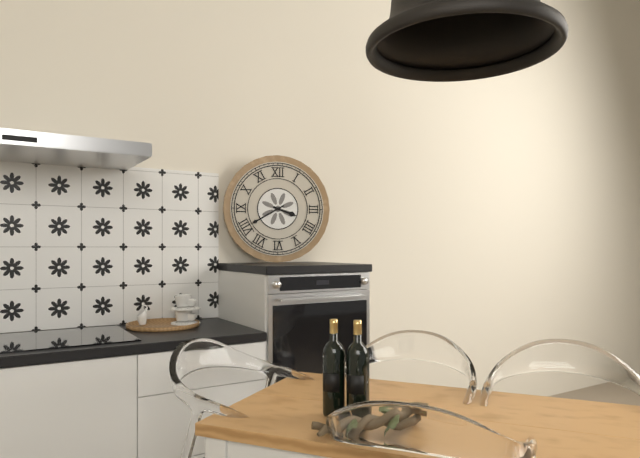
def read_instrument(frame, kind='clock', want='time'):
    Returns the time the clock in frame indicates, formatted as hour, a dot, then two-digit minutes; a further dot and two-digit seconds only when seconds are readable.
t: 3.40
